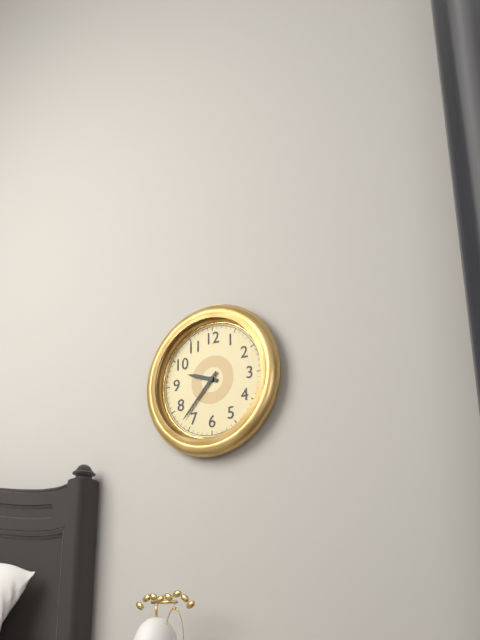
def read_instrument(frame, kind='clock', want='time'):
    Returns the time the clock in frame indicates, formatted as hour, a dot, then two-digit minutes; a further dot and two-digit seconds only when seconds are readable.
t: 9.37
